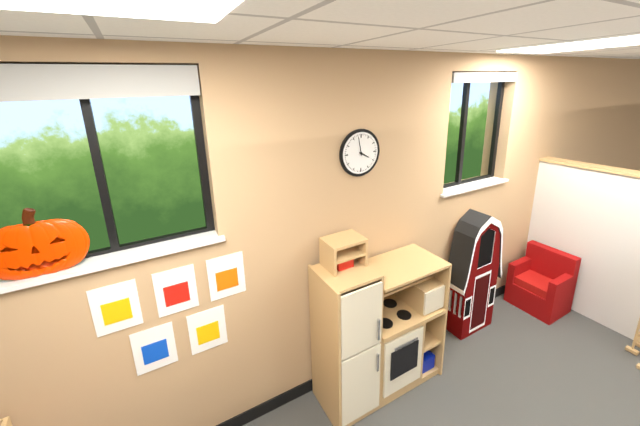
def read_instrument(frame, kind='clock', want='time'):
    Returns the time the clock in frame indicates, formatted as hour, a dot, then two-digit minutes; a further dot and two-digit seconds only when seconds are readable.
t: 3.58
